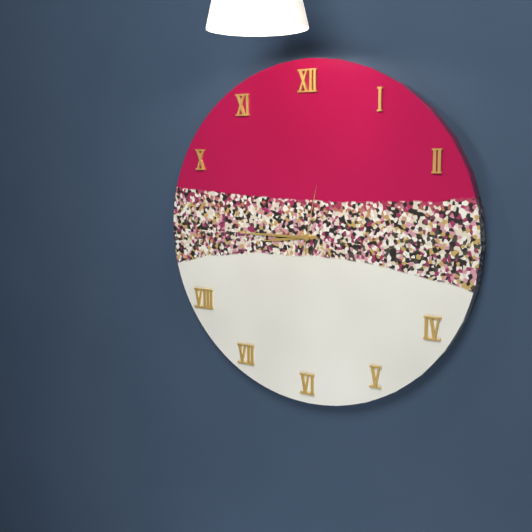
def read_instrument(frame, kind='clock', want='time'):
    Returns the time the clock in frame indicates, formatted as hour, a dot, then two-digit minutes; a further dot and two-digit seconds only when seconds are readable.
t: 8.45.02
